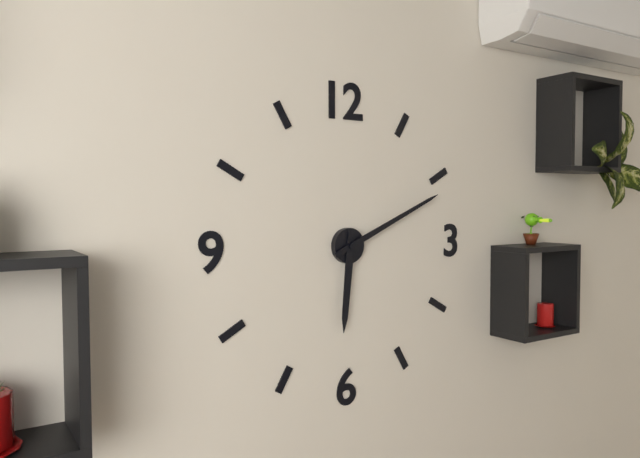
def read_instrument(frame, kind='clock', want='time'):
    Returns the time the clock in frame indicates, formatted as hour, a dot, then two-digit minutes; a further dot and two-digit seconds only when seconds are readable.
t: 6.11
